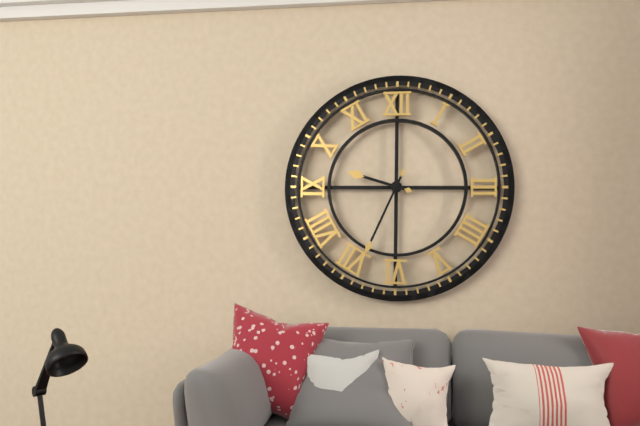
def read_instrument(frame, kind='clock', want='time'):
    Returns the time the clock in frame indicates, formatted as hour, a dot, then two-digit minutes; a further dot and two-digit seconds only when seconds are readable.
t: 9.34
